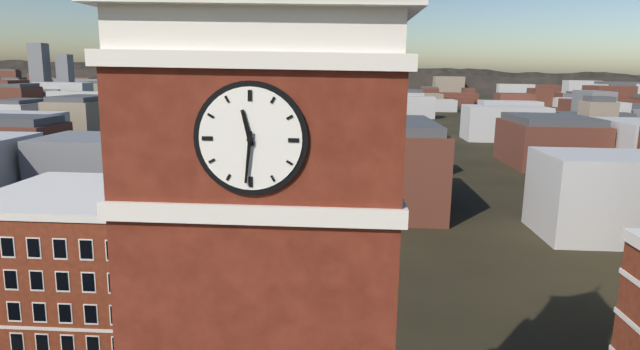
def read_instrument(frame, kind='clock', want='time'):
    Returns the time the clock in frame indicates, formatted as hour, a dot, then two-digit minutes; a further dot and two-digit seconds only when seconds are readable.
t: 11.31
